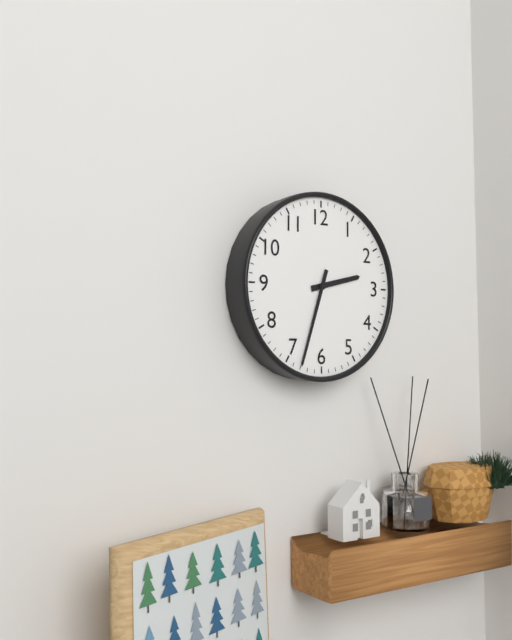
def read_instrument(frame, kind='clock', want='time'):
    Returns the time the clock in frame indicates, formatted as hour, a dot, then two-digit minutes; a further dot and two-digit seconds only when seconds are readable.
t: 2.33
